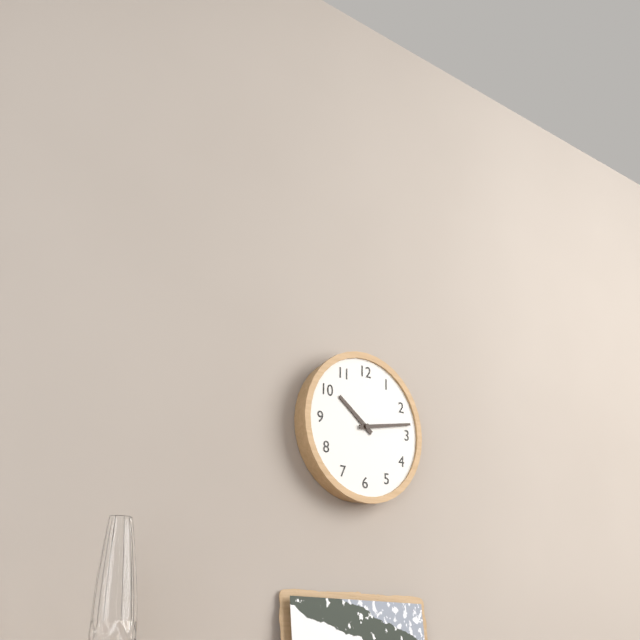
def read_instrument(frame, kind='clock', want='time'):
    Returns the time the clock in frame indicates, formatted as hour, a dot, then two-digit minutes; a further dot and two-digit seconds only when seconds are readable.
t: 10.13
